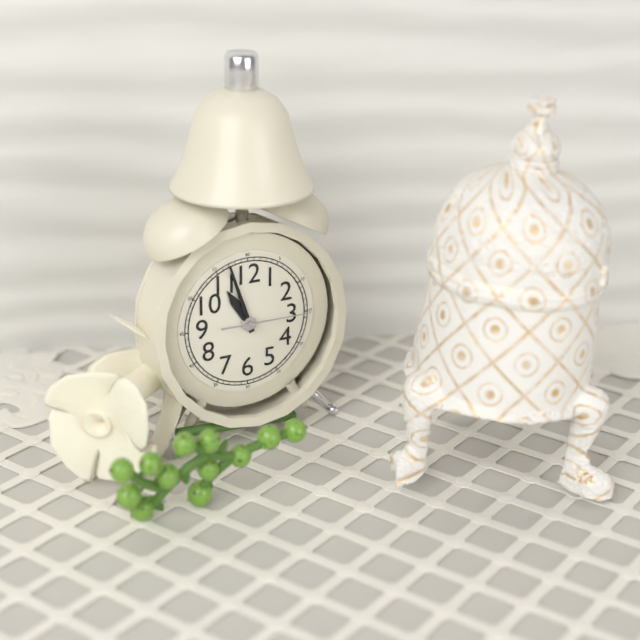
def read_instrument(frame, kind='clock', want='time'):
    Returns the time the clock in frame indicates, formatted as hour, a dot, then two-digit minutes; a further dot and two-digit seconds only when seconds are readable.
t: 10.57.15
